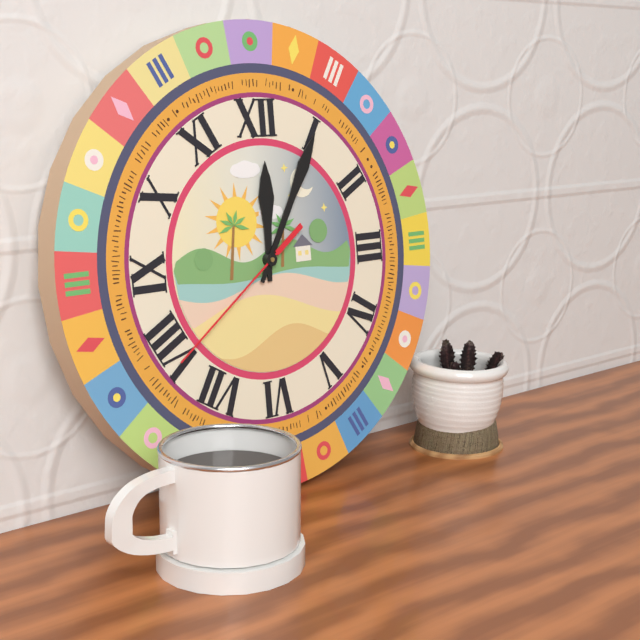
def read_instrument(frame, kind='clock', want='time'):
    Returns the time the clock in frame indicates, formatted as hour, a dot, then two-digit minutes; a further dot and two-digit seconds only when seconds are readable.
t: 12.05.39
